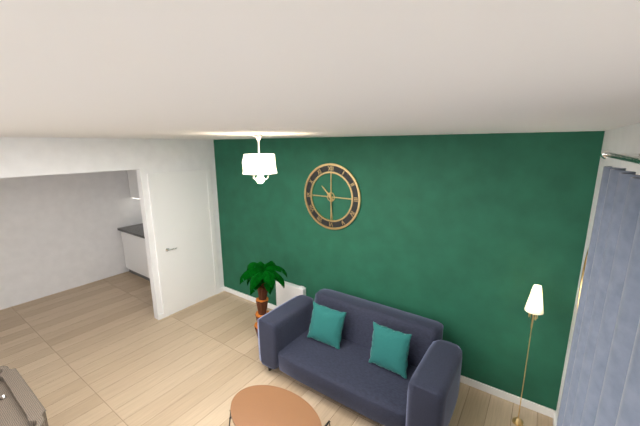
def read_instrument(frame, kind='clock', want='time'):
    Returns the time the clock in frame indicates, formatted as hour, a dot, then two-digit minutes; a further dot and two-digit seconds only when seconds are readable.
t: 10.29
